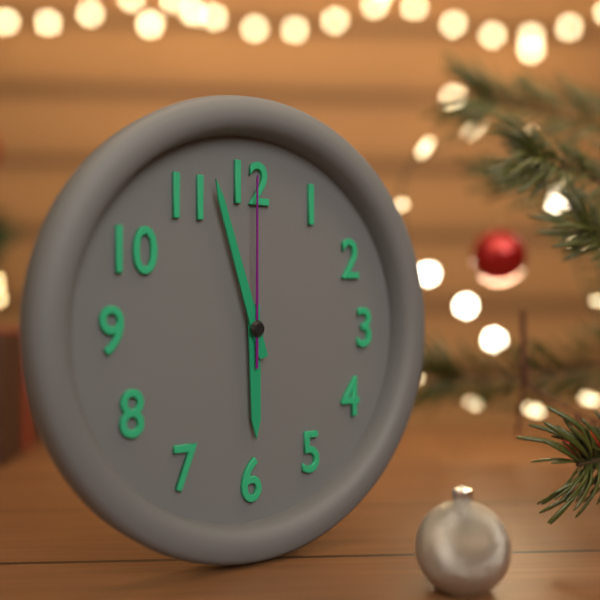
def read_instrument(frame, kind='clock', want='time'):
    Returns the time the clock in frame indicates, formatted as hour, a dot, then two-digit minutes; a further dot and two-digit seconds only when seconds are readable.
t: 5.57.00
